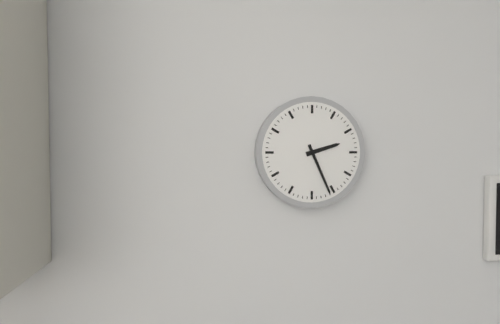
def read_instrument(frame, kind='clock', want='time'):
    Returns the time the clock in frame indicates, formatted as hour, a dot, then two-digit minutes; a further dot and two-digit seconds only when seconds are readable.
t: 2.26
